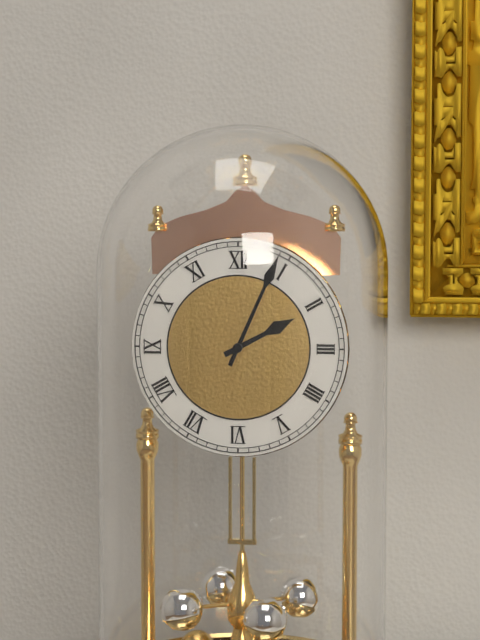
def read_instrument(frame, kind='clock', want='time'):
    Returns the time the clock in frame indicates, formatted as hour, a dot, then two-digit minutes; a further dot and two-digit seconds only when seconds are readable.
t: 2.04
